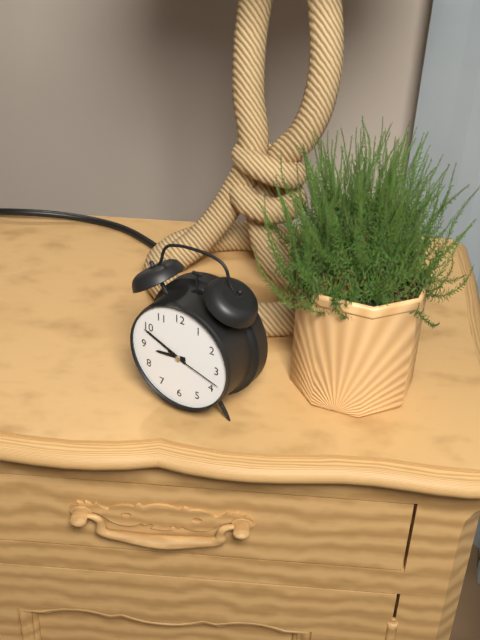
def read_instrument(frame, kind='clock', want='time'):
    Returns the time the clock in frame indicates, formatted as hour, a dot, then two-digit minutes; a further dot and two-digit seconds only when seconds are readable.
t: 8.49.18
